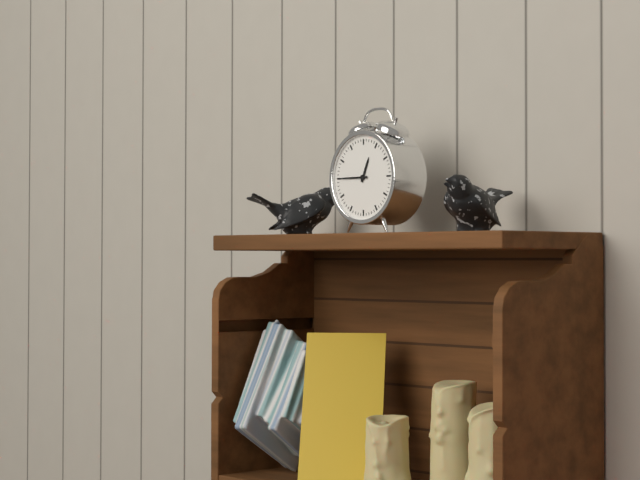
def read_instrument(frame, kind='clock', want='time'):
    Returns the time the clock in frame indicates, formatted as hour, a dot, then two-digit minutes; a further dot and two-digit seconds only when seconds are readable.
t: 12.45
